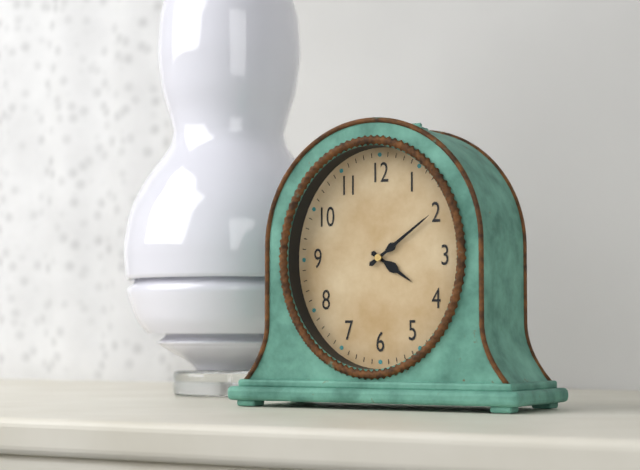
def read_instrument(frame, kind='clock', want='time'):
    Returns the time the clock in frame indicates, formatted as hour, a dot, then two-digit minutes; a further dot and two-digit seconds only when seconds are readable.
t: 4.09
